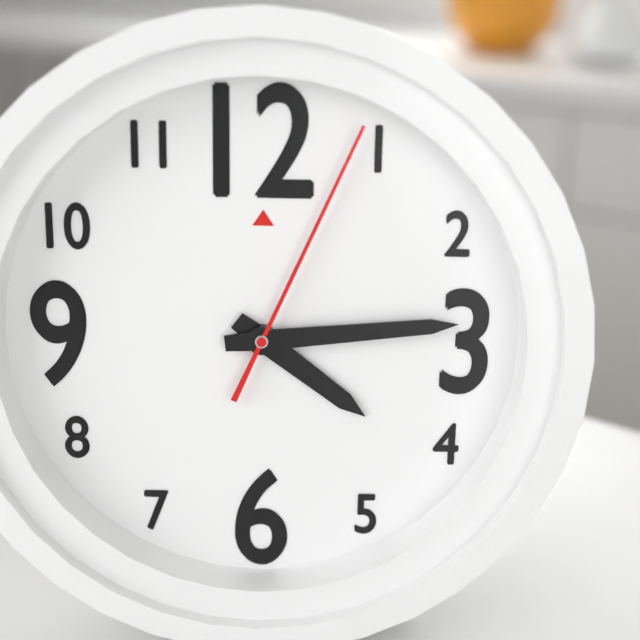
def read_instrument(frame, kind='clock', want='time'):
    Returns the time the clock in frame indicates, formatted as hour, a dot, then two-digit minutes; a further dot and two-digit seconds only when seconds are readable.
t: 4.14.04
